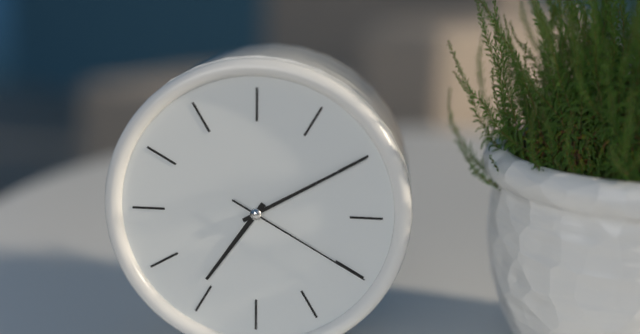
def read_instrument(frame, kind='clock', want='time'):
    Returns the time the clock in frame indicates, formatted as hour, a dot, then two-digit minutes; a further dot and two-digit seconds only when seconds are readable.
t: 7.10.20
